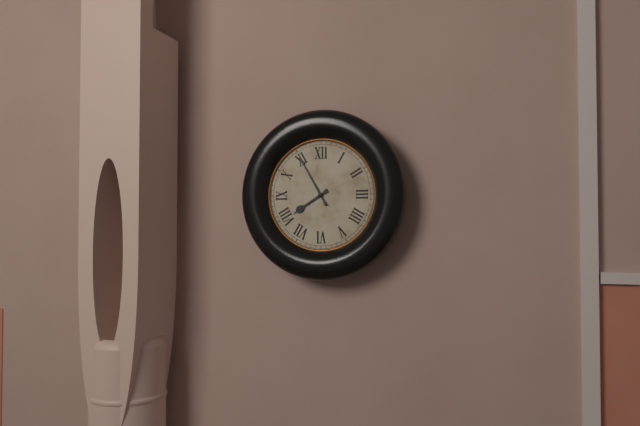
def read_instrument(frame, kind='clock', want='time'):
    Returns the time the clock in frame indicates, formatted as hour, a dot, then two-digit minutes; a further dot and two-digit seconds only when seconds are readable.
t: 7.55
